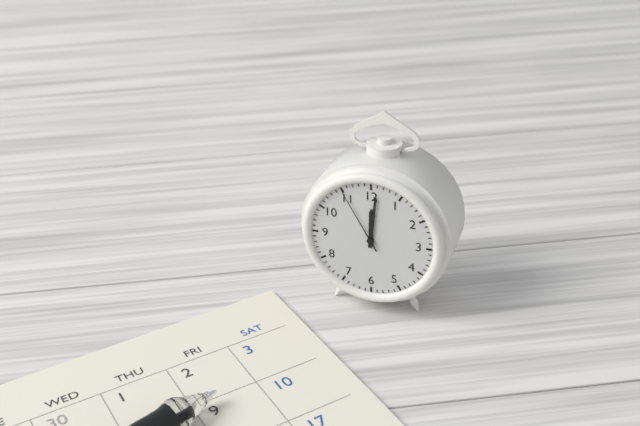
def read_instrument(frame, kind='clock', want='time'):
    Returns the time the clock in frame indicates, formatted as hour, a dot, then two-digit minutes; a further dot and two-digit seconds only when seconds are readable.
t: 12.01.55
